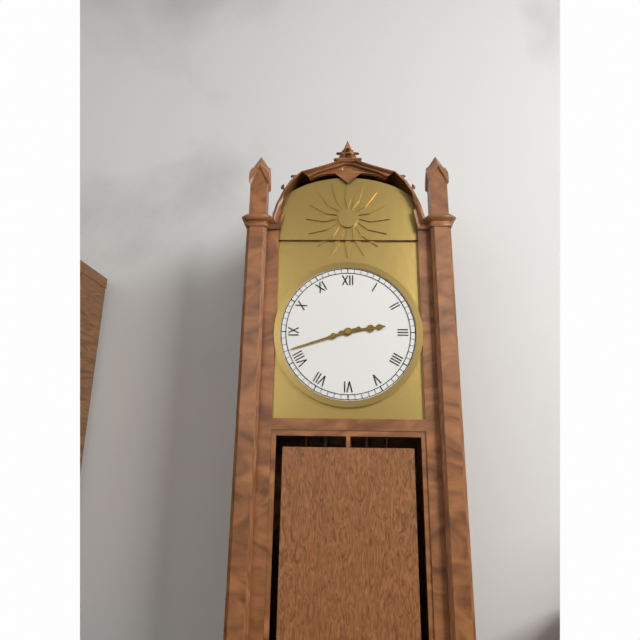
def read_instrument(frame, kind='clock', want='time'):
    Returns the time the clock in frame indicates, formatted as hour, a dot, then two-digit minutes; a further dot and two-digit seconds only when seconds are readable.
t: 2.42
